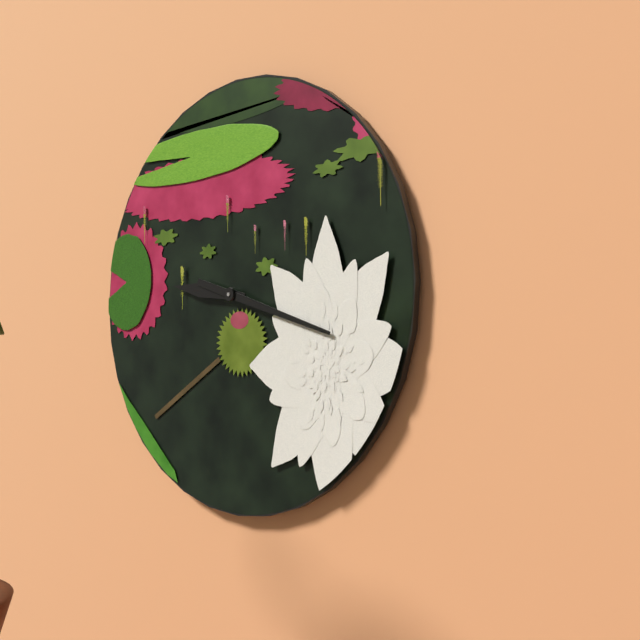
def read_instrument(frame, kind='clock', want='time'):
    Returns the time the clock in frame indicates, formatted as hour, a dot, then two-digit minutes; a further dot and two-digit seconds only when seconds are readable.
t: 9.18
